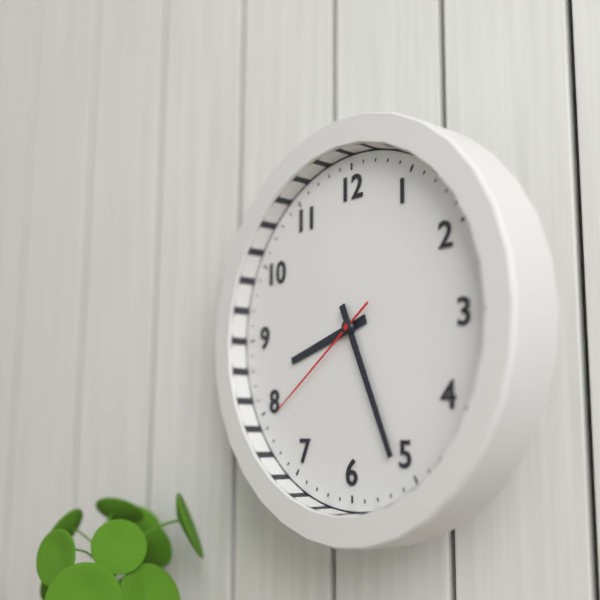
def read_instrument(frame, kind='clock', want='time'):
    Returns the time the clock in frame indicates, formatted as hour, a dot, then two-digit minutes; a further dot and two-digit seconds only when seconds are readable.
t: 8.26.39
